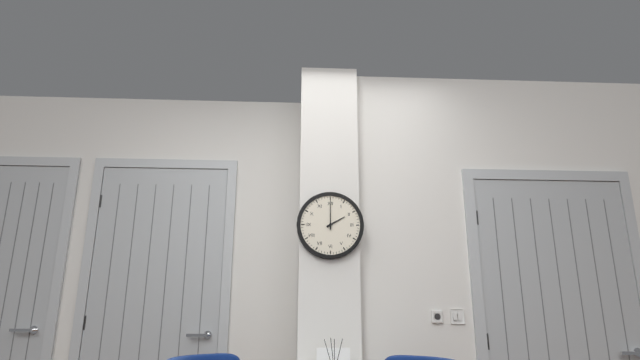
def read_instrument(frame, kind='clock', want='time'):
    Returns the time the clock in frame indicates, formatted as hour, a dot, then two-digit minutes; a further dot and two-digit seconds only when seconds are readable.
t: 2.00
